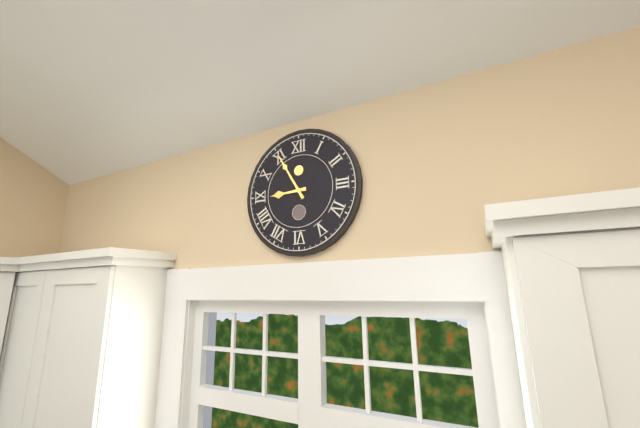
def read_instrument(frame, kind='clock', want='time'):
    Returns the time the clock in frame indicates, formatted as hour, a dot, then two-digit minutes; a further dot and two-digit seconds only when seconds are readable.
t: 8.55
